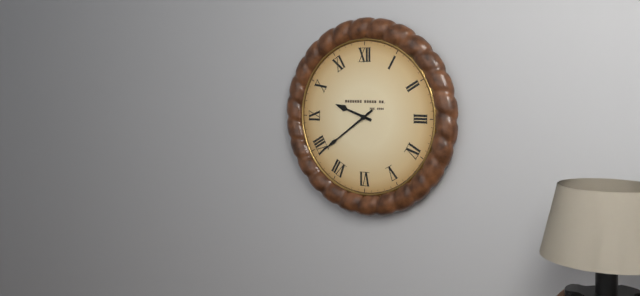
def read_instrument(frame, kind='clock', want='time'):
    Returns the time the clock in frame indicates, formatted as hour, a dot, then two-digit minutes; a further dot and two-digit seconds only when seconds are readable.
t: 9.39
